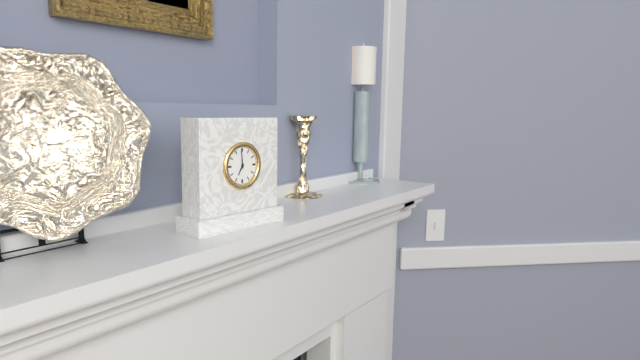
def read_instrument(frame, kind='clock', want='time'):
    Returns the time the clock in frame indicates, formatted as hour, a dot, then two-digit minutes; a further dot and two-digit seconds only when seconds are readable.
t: 6.59
